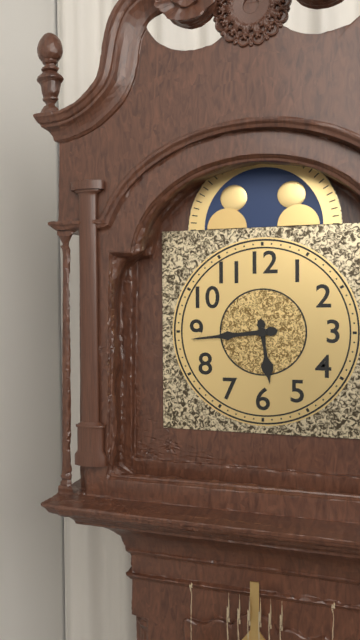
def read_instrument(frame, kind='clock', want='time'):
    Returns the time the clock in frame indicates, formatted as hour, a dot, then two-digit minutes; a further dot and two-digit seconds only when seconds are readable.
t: 5.44
